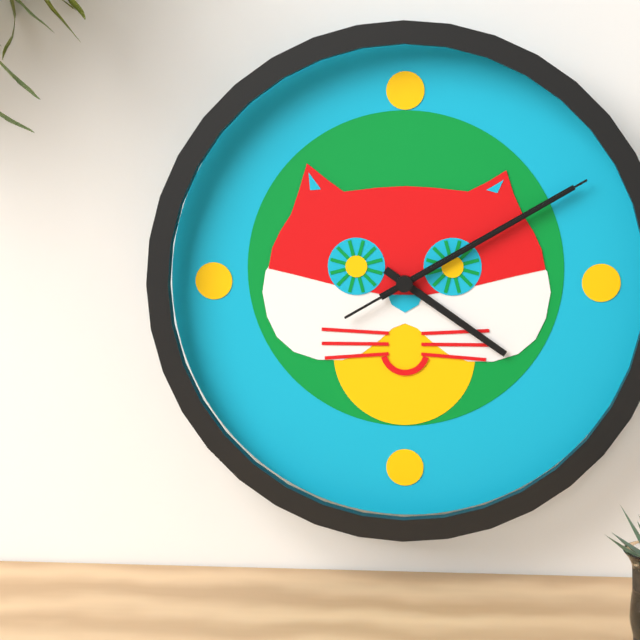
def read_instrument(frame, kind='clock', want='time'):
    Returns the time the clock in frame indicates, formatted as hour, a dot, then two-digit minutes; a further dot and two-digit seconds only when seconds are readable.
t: 4.10.10
